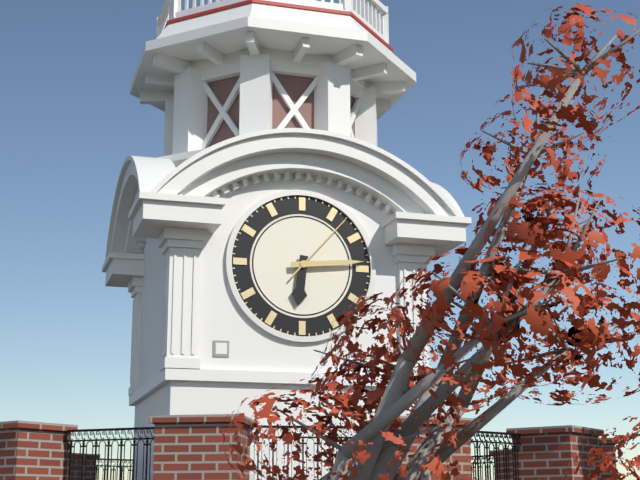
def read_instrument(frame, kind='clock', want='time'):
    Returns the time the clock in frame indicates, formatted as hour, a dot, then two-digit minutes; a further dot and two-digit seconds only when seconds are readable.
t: 6.14.07
